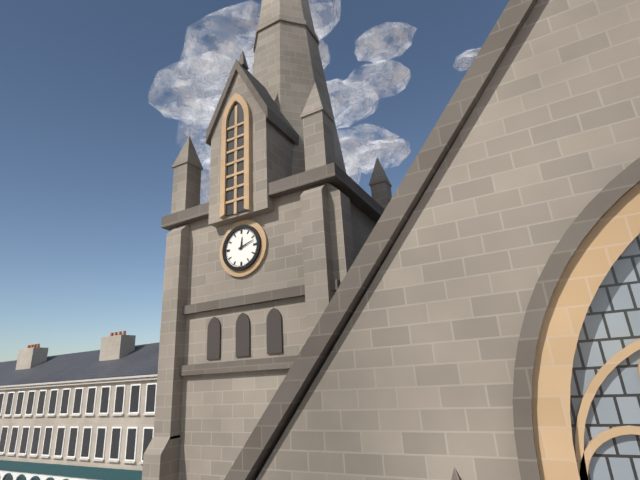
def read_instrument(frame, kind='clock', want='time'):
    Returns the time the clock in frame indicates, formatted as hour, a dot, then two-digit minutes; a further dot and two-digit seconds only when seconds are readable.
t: 12.12
